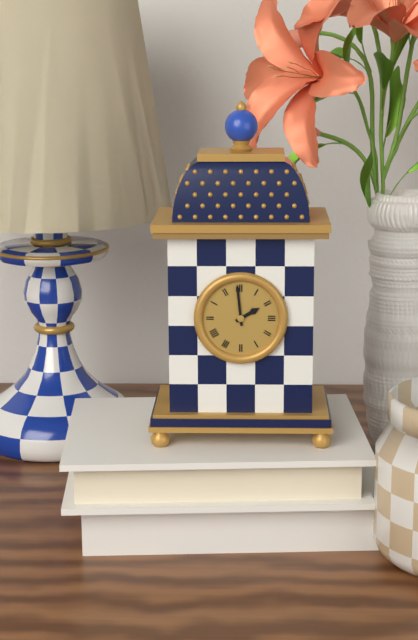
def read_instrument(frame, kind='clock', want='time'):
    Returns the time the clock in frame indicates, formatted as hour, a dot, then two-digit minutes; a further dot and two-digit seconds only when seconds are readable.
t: 1.59
